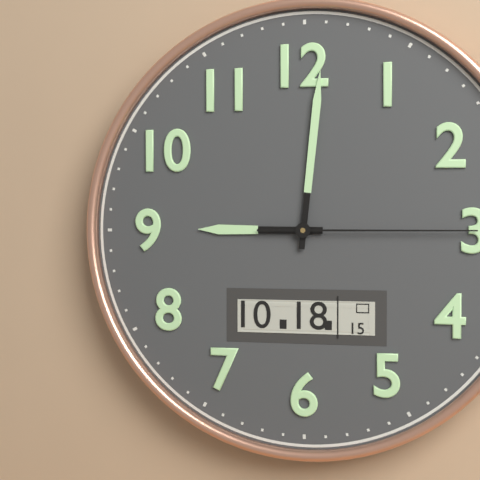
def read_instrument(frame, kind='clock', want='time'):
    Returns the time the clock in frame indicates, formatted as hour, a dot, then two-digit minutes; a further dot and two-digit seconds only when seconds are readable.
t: 9.01.15
